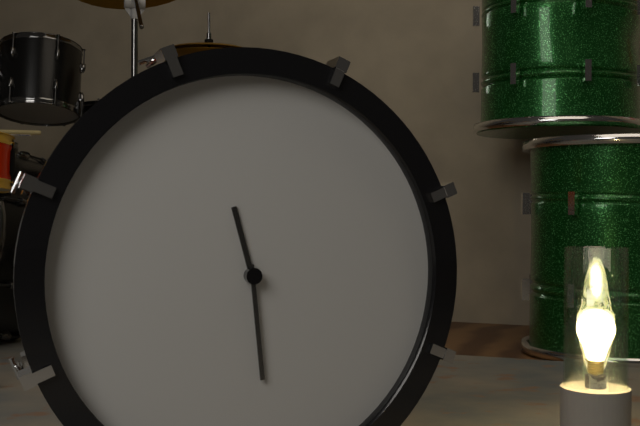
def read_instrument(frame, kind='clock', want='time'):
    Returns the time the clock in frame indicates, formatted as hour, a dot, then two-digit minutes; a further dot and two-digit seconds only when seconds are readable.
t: 11.29
